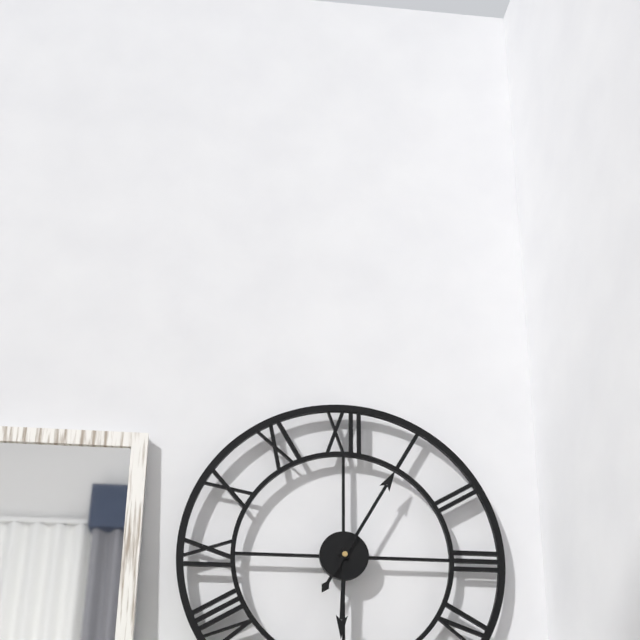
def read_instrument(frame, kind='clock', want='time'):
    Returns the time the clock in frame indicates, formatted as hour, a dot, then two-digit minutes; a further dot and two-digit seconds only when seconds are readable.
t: 6.05
